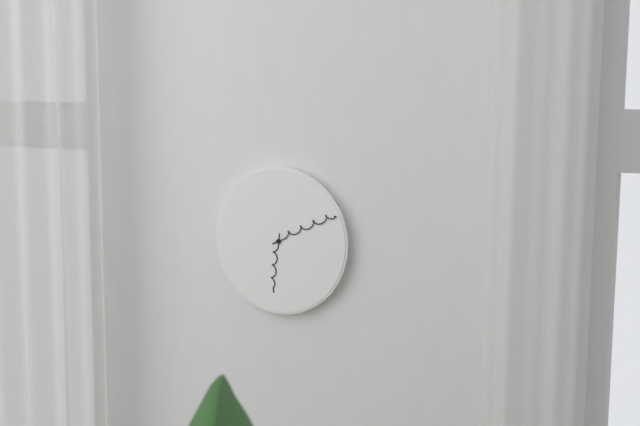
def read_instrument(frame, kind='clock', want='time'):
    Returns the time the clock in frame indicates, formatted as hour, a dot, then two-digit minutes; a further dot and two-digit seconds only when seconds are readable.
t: 6.11
